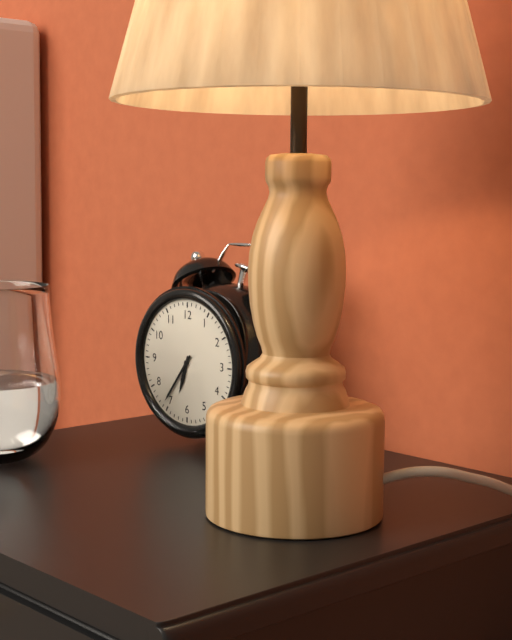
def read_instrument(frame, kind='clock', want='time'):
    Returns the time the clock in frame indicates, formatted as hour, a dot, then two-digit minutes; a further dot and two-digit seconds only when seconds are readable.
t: 6.36
